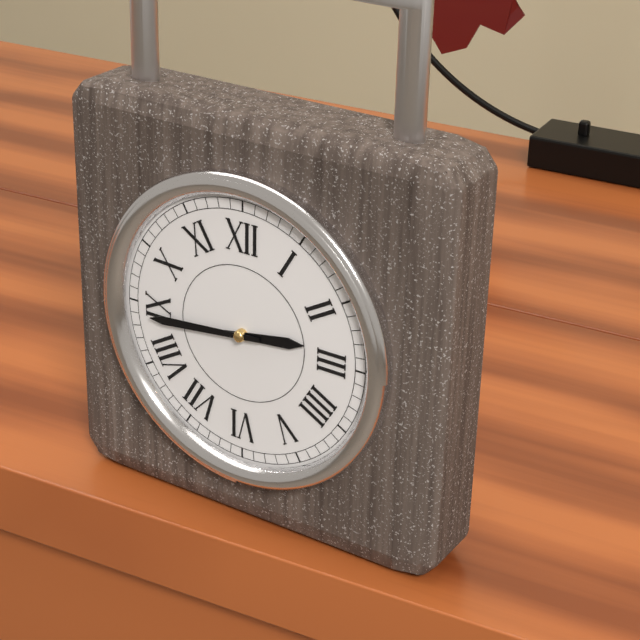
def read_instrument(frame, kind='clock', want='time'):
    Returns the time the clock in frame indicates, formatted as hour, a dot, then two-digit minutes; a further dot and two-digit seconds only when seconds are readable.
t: 2.44
